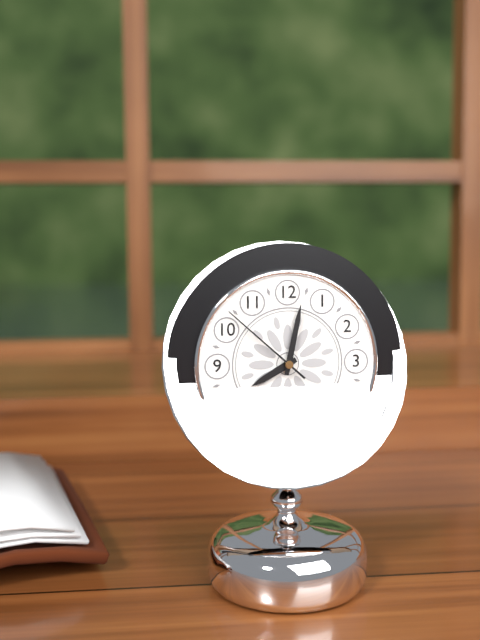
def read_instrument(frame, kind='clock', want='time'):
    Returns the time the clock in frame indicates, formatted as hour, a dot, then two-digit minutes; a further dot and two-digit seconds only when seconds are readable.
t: 8.02.52
